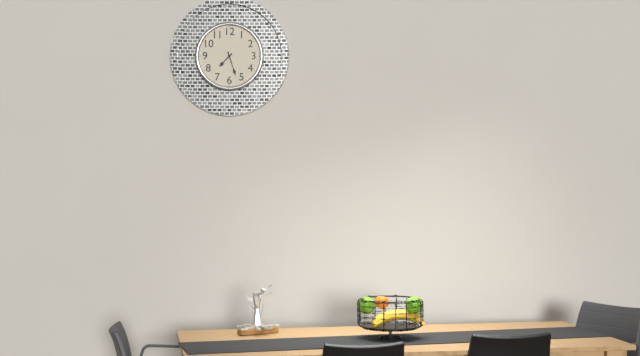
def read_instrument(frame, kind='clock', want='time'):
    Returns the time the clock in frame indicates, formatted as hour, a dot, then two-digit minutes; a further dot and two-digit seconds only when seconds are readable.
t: 7.27
